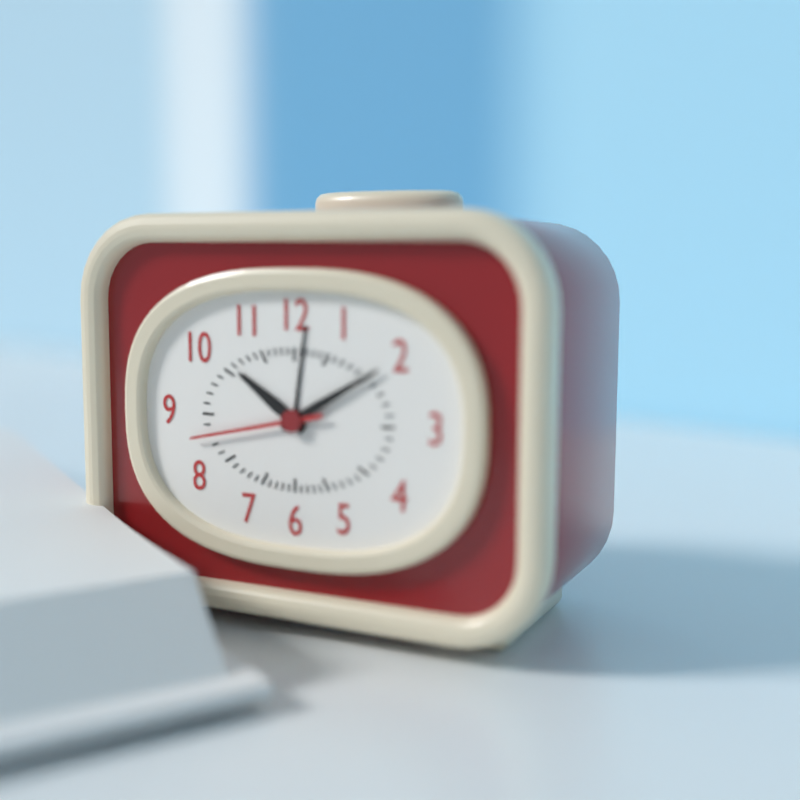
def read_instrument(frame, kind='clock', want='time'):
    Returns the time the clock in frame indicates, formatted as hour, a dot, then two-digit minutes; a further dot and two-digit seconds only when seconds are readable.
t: 10.10.43
